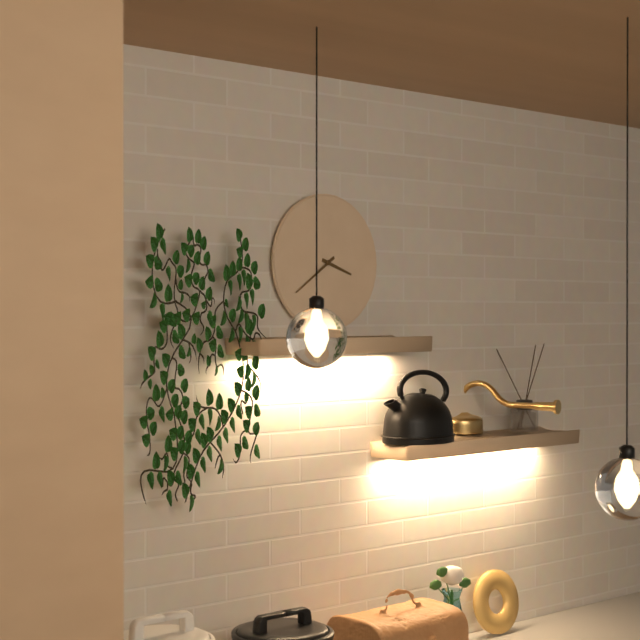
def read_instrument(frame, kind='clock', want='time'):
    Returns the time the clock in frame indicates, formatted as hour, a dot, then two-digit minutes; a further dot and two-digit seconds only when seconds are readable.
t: 3.39
